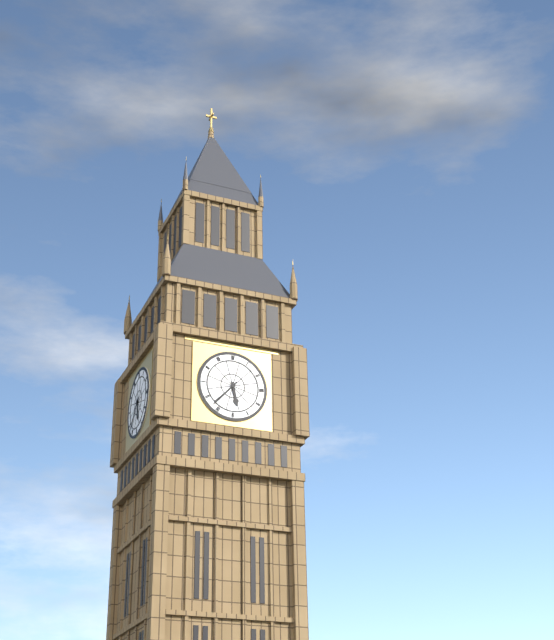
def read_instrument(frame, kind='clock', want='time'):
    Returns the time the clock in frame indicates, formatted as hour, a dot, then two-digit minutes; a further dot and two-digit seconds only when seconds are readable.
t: 5.37
